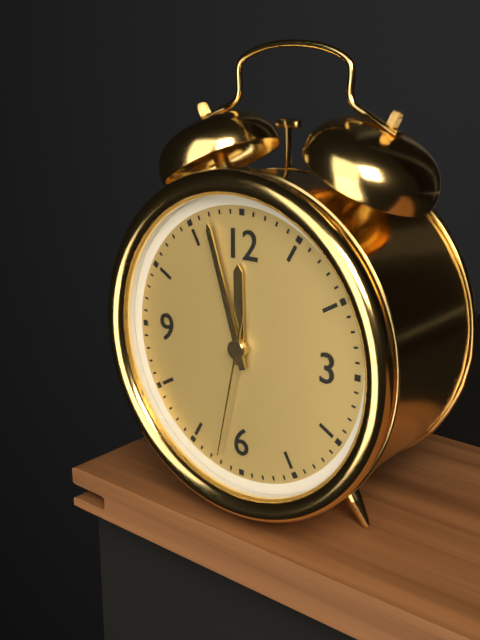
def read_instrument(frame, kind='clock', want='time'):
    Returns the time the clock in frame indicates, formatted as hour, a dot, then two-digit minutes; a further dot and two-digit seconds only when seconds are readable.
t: 11.57.32
